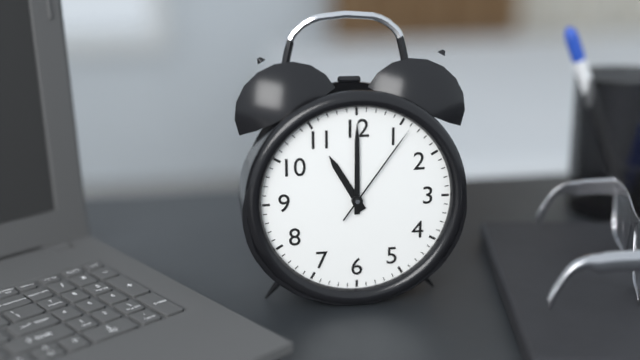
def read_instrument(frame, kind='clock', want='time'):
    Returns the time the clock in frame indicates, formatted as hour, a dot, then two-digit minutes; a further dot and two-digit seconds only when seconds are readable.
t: 11.00.06
